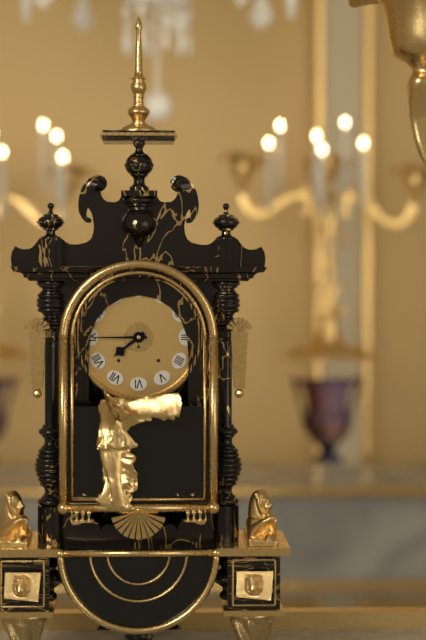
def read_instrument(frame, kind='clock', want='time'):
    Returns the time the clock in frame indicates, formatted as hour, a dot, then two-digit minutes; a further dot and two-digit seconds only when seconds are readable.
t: 7.45
